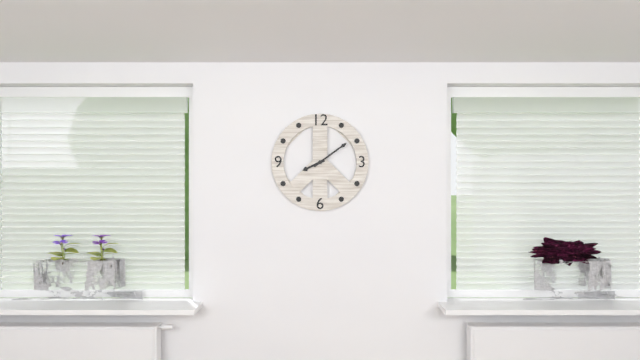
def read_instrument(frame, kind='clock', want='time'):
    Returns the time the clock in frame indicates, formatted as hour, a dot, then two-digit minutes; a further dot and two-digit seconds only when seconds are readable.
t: 8.09
